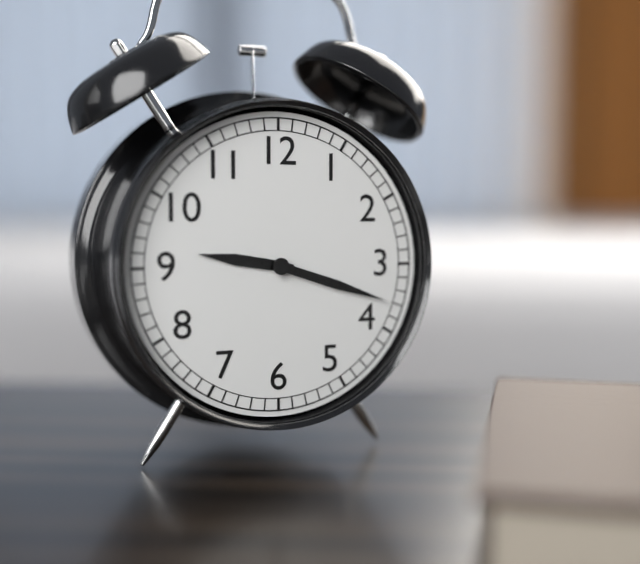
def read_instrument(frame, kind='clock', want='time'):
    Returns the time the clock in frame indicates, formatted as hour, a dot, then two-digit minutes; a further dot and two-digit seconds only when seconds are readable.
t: 9.18.18
